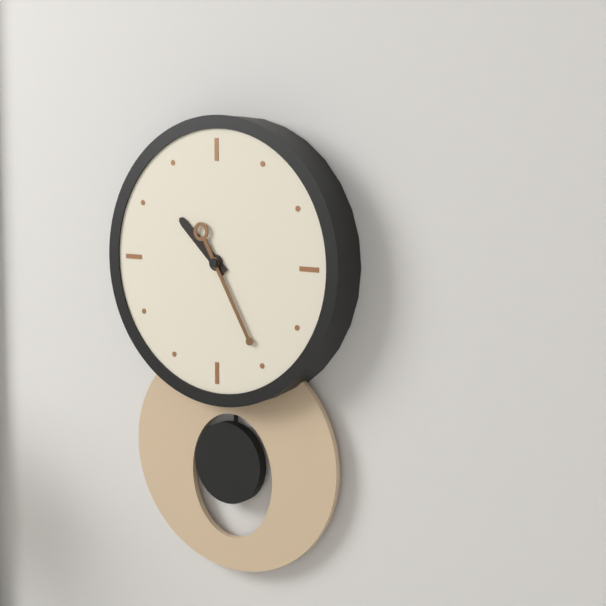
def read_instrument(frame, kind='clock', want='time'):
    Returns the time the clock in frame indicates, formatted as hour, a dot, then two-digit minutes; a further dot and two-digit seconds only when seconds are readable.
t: 10.25
